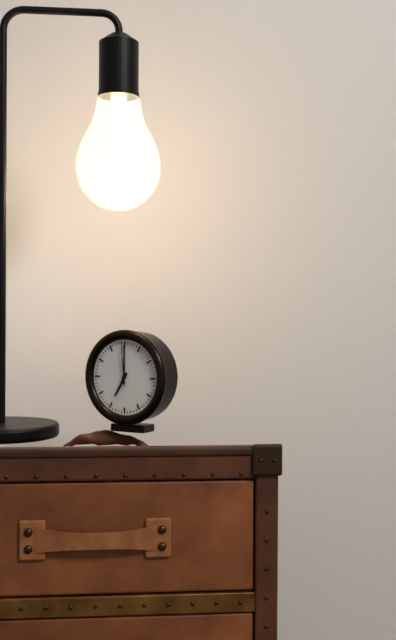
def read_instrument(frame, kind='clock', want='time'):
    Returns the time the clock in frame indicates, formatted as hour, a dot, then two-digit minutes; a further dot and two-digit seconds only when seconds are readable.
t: 7.00
